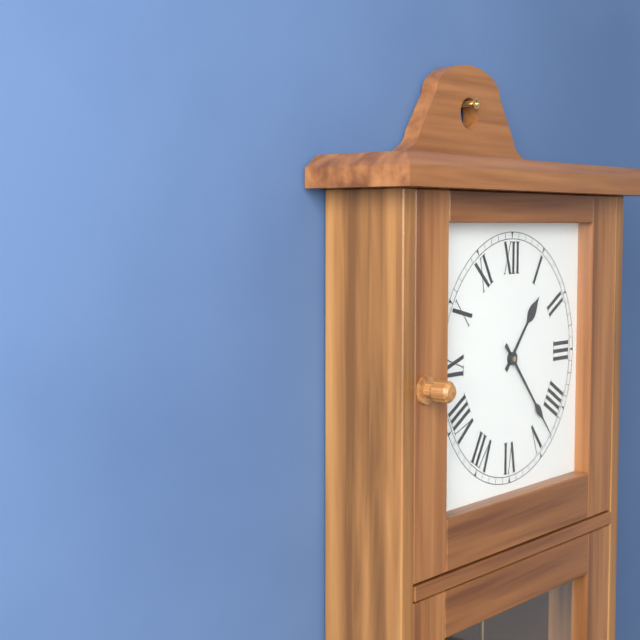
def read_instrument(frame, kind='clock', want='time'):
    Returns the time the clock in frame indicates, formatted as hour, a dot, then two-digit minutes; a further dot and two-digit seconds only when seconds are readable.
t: 1.23
